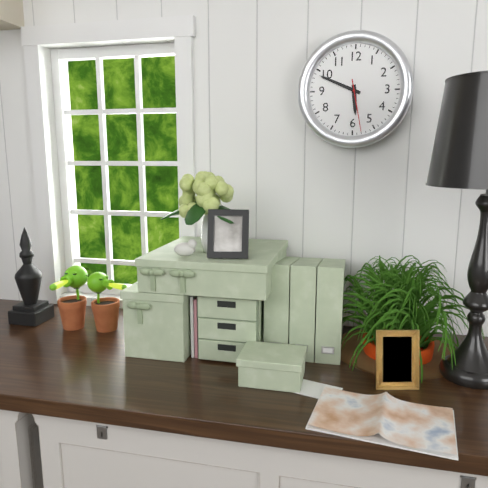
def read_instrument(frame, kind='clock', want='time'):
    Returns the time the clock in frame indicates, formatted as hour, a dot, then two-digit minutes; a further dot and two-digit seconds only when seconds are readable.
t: 5.49.28
